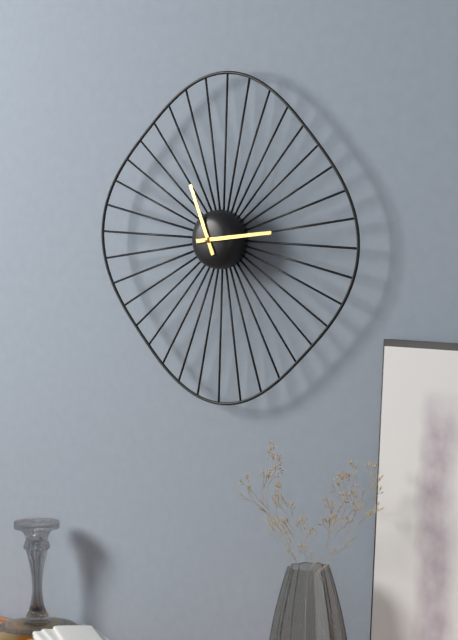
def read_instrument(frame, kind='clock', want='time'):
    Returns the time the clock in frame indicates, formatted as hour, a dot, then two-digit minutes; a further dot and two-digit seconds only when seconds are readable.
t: 11.14
